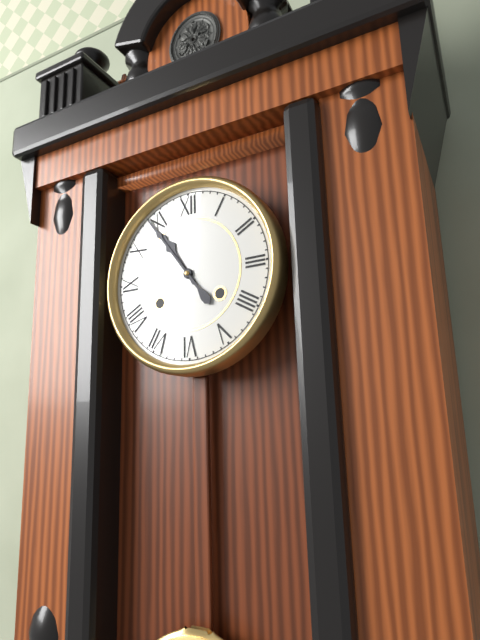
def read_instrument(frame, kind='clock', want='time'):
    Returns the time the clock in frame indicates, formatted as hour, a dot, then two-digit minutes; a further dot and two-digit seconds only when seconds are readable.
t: 10.54
